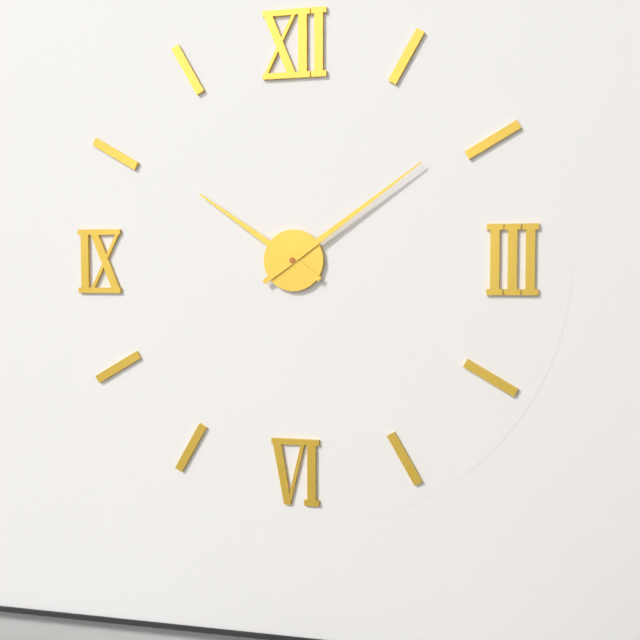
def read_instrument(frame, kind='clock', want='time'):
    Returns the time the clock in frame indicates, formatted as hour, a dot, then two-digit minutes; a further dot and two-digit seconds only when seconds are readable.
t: 10.09
